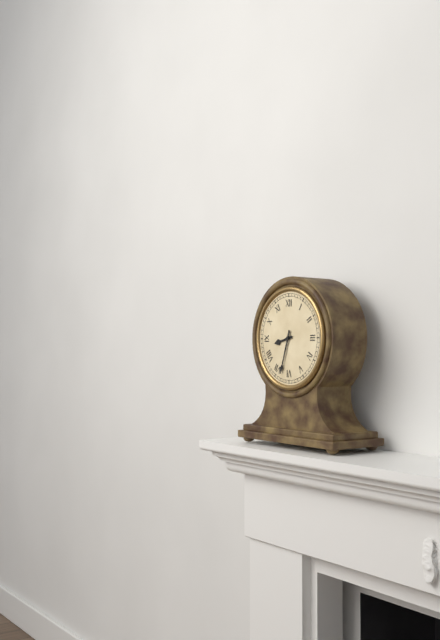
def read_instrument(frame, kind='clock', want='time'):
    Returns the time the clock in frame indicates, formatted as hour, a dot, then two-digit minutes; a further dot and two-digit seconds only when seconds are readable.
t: 8.33
